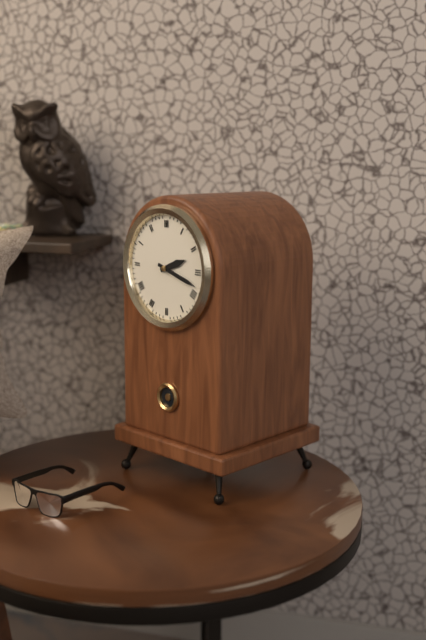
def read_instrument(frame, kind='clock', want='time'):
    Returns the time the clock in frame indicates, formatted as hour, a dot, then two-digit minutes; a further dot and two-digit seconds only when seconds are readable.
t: 2.18
